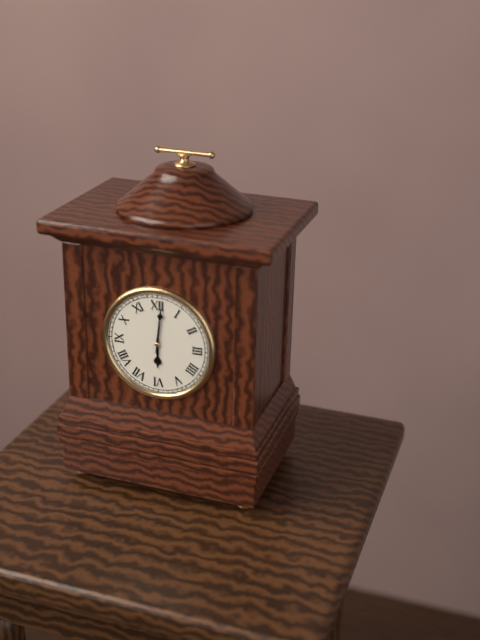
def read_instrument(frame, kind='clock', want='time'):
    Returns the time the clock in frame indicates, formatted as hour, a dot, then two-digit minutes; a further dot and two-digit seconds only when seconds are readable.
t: 6.01
